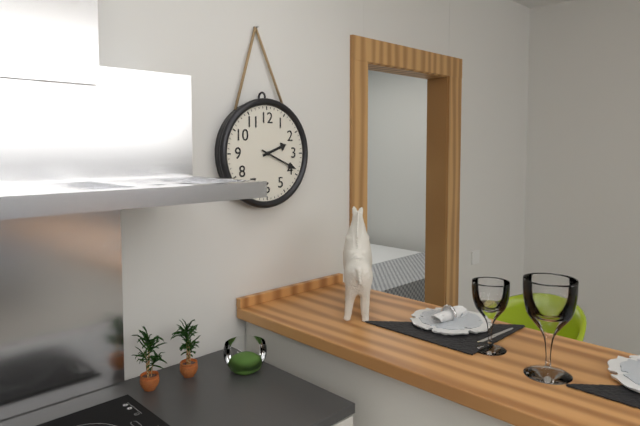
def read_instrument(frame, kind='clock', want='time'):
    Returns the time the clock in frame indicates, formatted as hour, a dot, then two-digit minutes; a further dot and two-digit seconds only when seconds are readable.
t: 2.19
